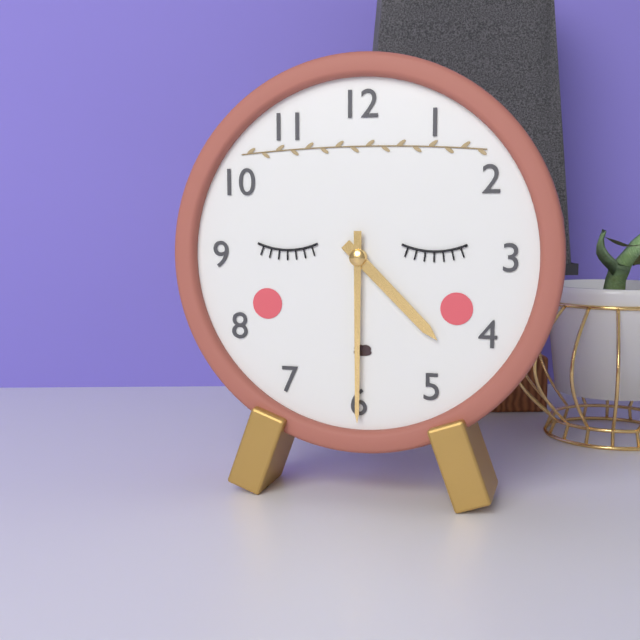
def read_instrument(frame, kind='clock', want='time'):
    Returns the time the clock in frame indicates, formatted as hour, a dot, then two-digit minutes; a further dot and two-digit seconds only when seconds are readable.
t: 4.30
